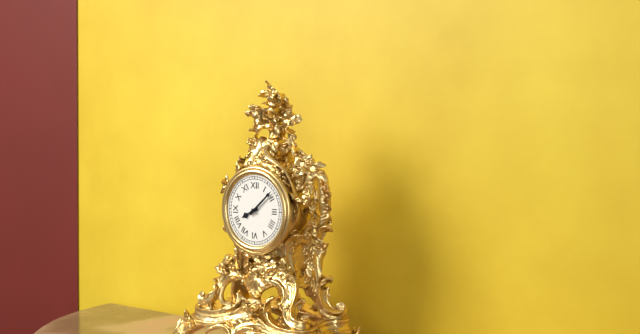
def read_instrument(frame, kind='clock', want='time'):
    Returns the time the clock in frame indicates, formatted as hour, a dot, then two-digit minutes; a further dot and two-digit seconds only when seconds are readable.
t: 8.08
